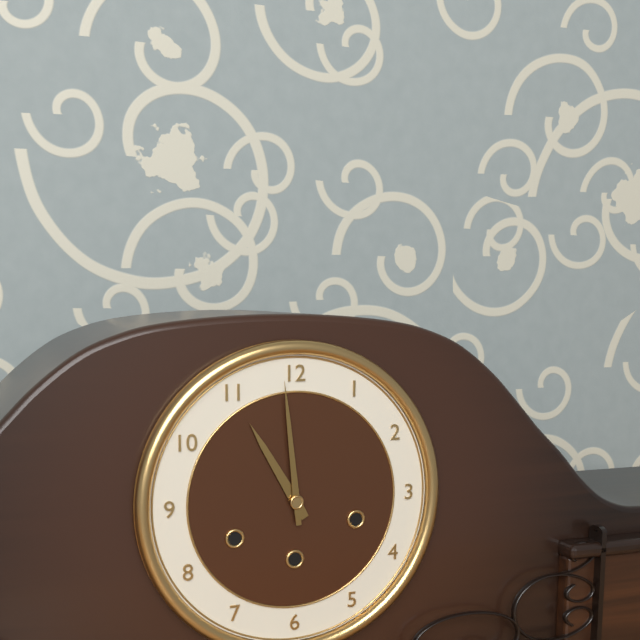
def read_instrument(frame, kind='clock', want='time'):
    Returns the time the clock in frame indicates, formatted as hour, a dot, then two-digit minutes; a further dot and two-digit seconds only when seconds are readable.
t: 10.59
